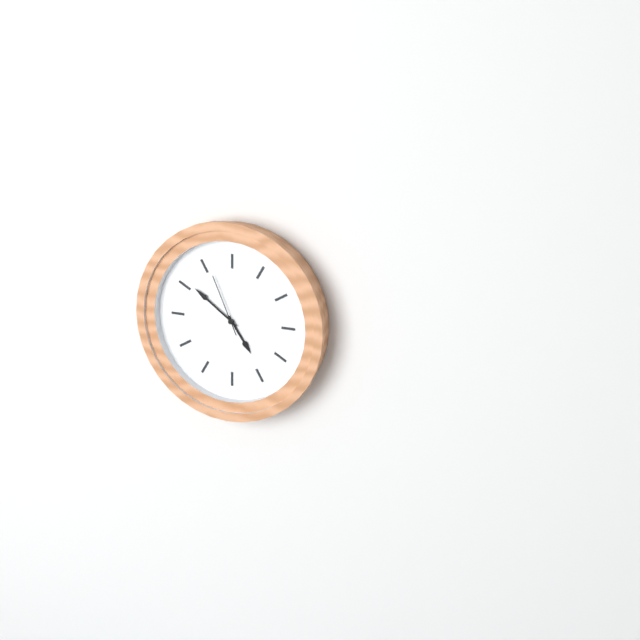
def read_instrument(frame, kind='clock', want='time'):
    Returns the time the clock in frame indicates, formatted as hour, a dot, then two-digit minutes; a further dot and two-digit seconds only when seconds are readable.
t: 4.51.56
